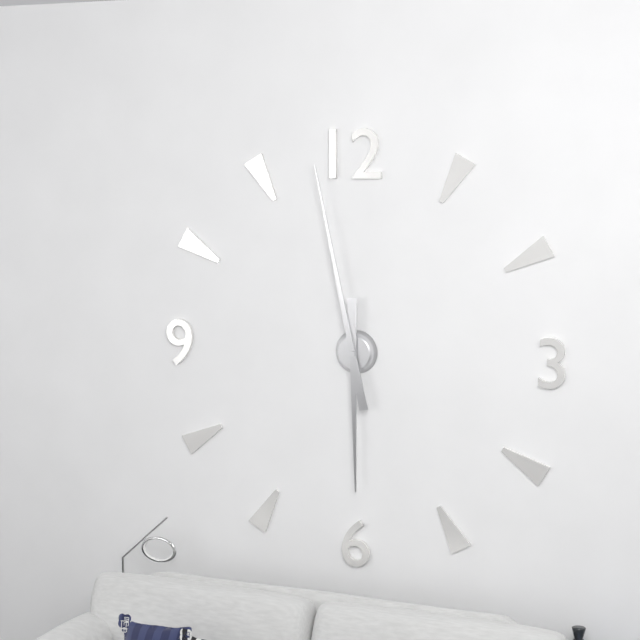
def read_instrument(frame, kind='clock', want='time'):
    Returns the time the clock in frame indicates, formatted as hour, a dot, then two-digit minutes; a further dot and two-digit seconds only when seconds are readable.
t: 5.58
